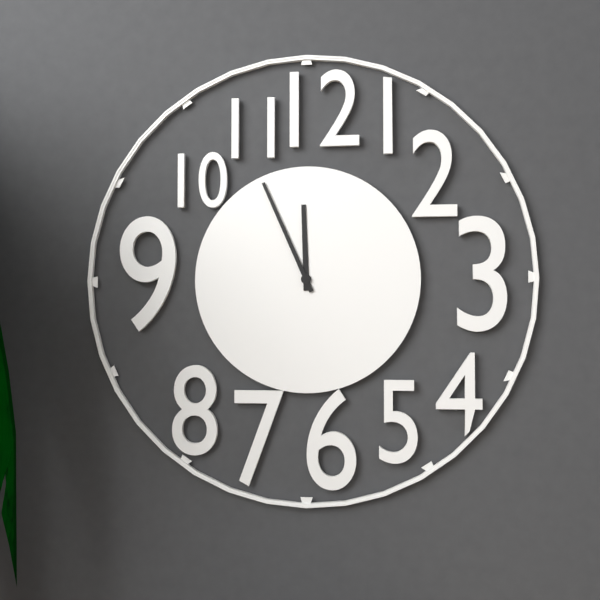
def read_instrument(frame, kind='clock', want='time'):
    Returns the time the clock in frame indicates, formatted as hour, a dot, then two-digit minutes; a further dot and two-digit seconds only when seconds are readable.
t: 11.56
